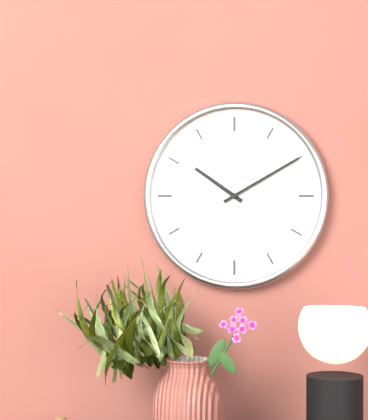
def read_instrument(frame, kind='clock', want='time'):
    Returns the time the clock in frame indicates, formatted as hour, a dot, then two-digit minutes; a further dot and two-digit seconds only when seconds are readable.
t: 10.10
